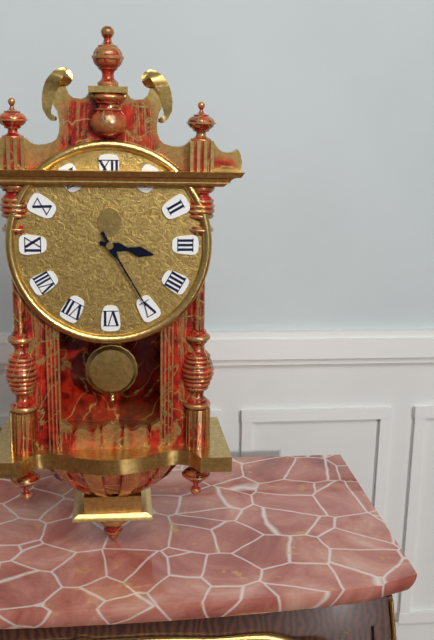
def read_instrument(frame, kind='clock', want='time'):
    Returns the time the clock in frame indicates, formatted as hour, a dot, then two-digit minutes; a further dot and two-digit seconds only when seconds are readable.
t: 3.25
